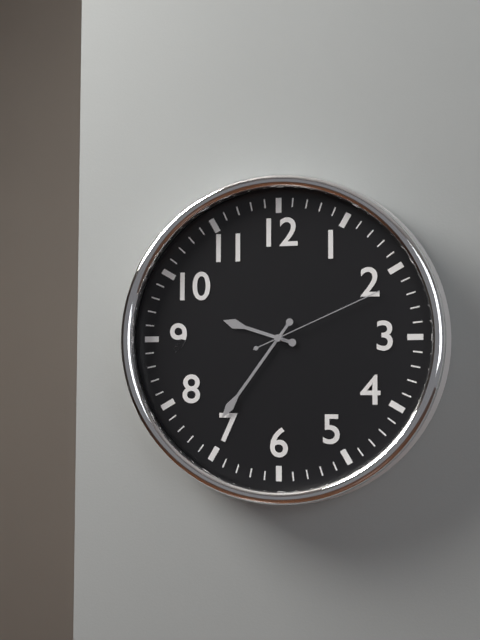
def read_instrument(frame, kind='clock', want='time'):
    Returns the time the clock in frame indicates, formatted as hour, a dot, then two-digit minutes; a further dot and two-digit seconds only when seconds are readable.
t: 9.36.11
